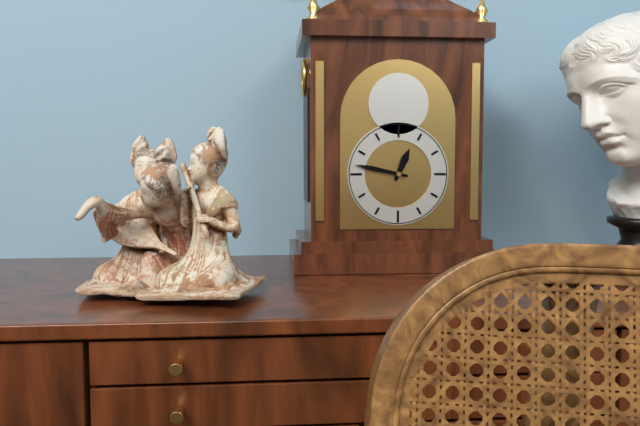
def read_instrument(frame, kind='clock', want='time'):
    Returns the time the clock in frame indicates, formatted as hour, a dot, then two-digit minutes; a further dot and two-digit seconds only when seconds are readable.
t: 12.47
